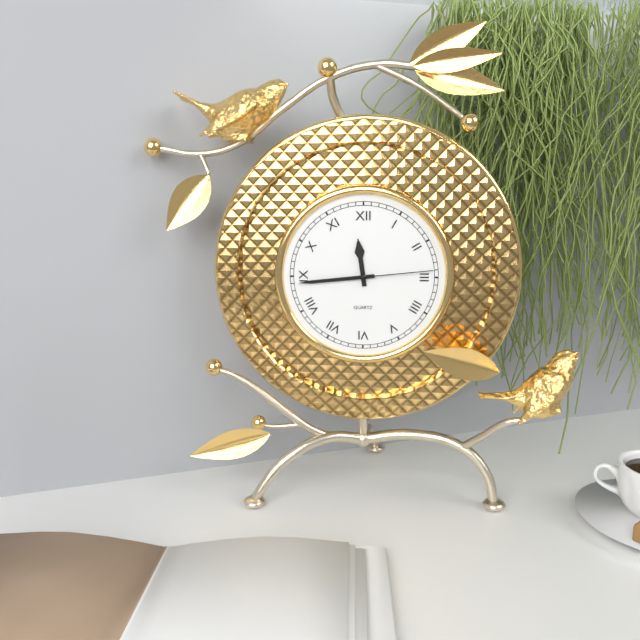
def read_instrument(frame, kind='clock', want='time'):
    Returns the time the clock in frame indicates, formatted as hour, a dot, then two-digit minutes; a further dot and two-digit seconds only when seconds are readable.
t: 11.44.14
